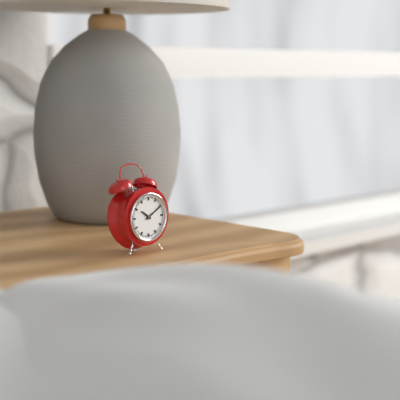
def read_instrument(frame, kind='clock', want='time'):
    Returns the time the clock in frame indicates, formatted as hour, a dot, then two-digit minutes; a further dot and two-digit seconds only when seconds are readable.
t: 10.10
